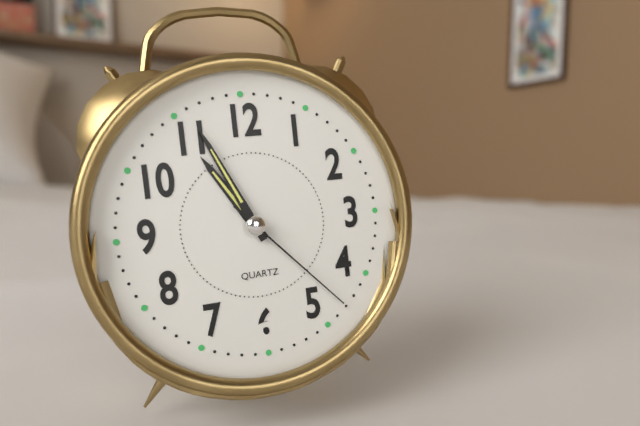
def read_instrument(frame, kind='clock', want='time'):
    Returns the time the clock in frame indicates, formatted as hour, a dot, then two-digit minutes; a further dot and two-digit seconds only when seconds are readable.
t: 10.56.23
